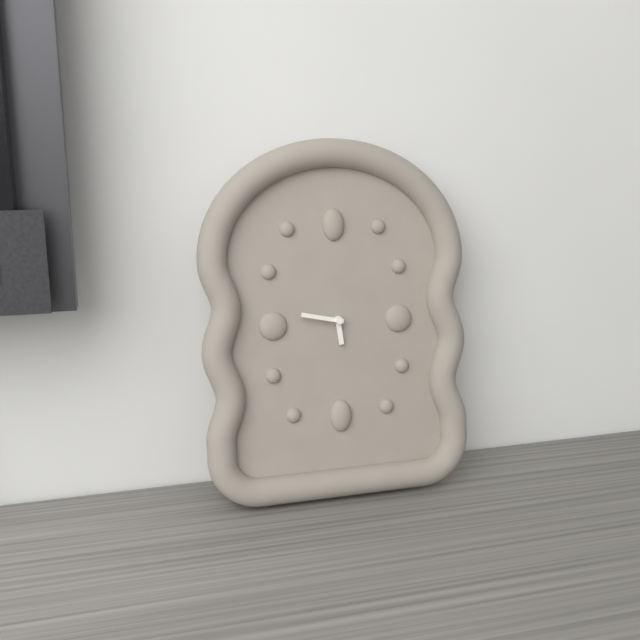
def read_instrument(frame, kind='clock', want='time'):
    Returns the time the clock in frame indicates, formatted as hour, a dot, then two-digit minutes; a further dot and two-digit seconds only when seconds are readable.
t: 5.47
